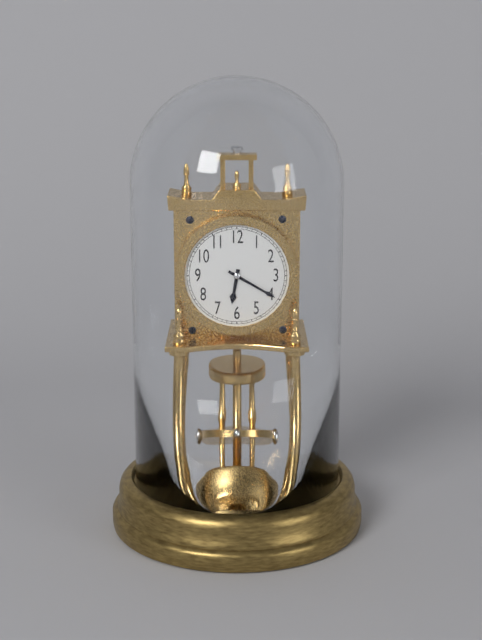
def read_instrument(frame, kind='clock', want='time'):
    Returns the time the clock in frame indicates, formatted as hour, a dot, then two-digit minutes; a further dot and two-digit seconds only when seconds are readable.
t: 6.20
